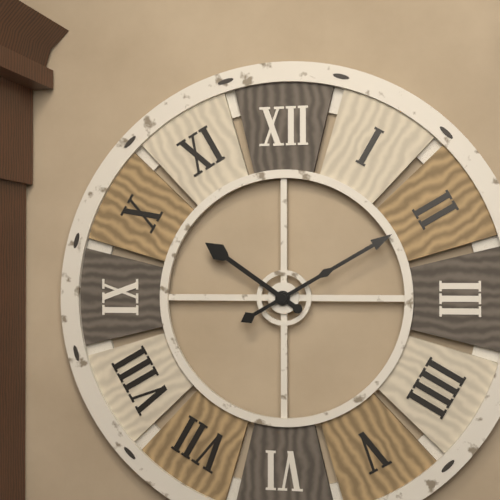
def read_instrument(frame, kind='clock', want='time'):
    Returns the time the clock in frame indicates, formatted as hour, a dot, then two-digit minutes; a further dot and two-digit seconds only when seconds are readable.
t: 10.10
